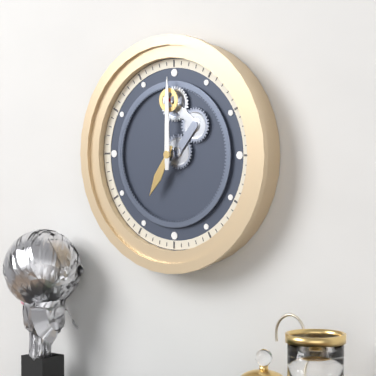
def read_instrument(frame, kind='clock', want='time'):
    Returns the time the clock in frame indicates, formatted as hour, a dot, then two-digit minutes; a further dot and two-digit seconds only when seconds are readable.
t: 7.00
